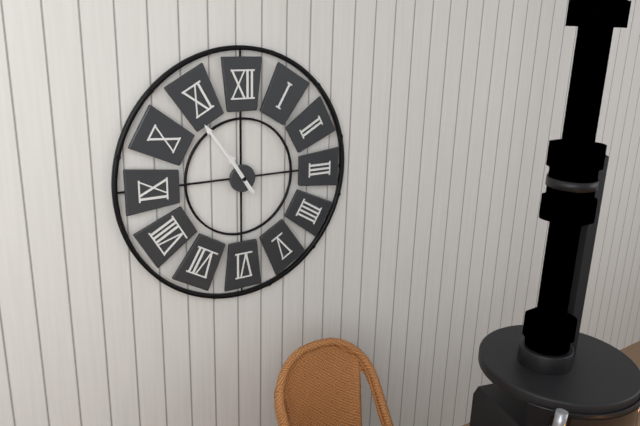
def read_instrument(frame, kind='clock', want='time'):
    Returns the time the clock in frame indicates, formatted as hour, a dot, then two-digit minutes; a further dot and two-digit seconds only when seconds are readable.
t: 10.54
